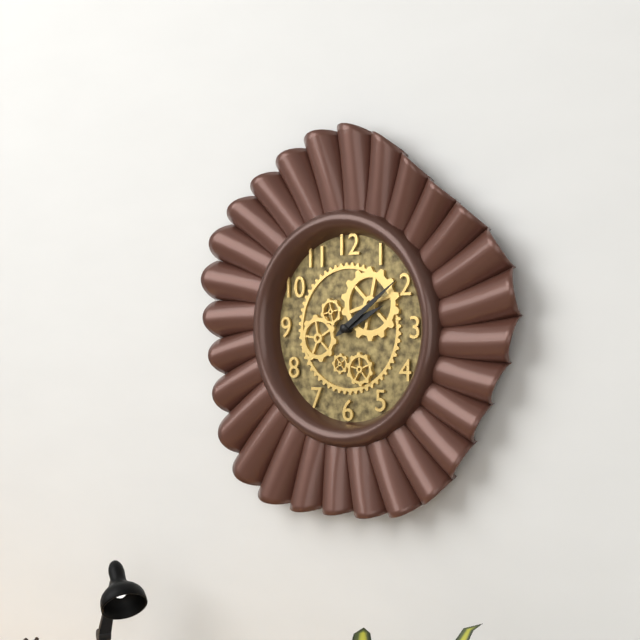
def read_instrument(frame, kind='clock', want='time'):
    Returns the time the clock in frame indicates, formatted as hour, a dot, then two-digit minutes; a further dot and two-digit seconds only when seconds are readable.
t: 2.09
